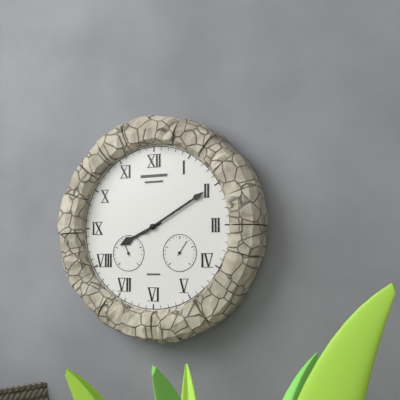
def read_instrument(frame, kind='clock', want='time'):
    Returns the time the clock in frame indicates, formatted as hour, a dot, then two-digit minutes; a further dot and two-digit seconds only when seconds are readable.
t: 8.10
